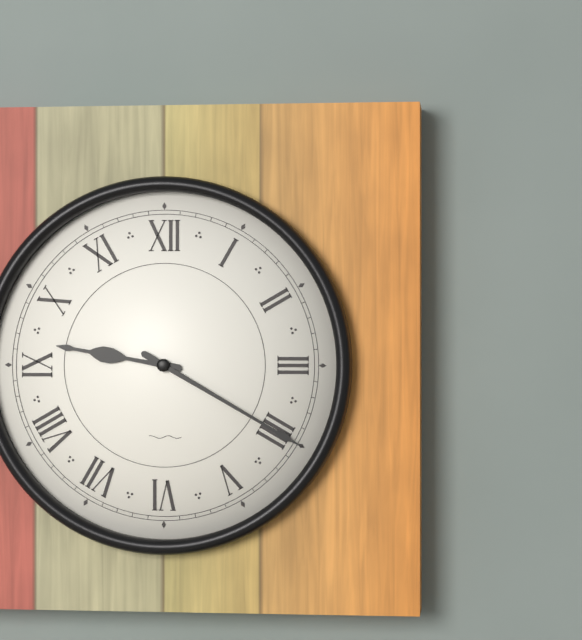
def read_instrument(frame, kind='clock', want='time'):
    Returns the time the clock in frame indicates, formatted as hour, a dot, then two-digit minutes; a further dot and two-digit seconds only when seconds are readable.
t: 9.20
